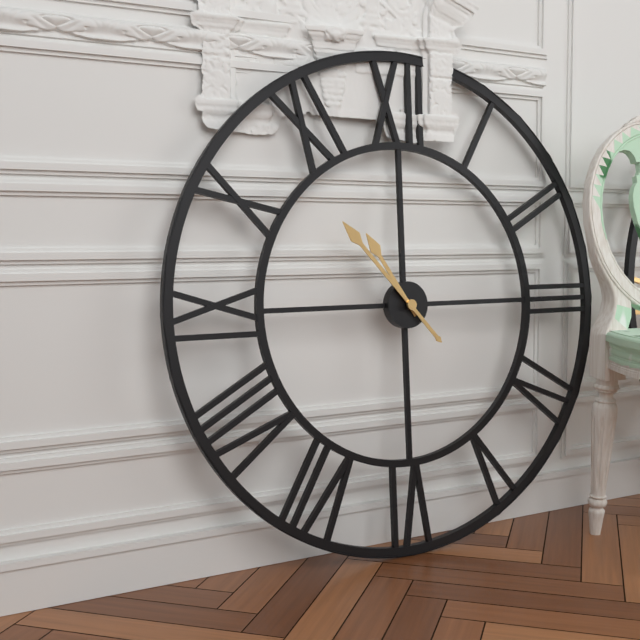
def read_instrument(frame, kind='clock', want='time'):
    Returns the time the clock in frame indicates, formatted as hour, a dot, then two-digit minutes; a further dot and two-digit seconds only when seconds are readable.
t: 10.53
